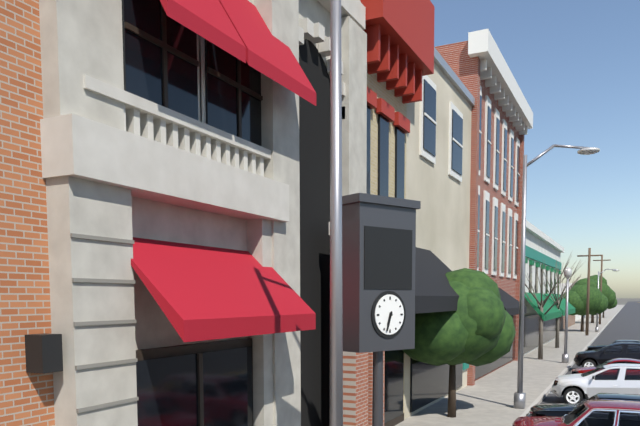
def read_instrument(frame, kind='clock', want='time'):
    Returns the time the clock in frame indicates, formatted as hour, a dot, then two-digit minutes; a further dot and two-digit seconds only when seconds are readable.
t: 6.33
